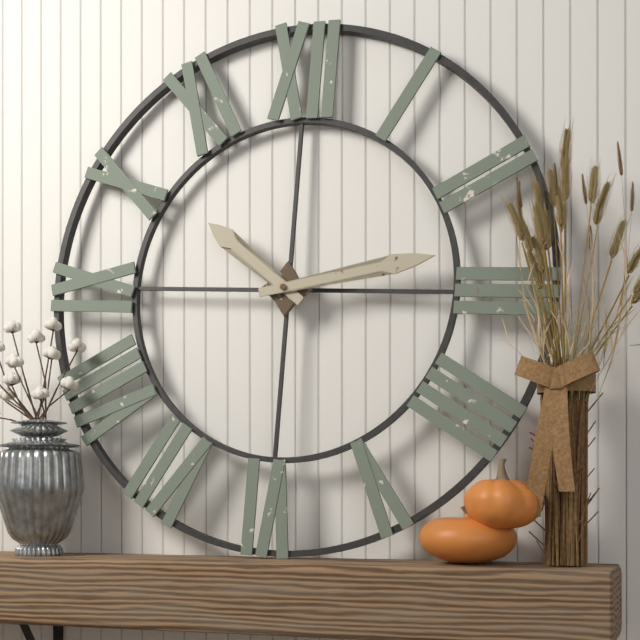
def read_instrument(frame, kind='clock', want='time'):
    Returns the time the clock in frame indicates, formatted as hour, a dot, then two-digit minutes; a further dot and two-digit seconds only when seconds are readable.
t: 10.13
